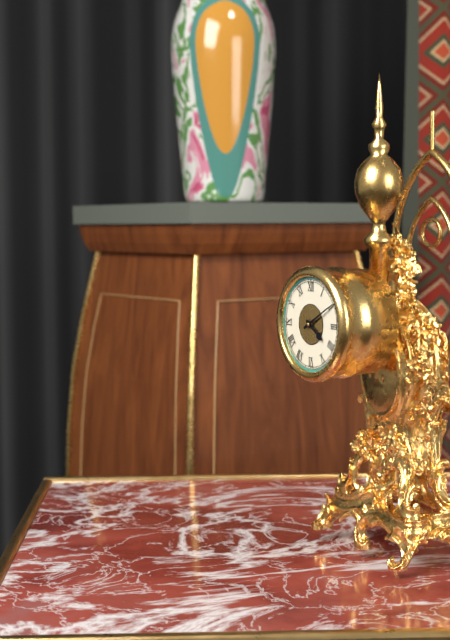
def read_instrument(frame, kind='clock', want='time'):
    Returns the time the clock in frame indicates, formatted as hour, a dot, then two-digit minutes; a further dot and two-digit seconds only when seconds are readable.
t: 4.10
